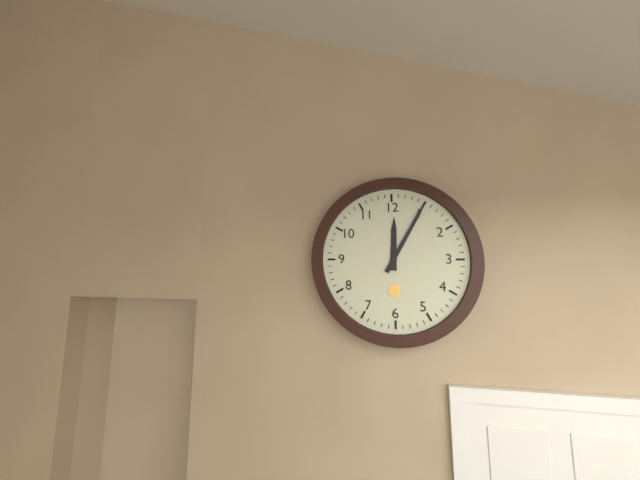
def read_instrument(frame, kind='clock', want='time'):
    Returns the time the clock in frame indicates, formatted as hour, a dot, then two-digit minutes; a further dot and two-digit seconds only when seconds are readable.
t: 12.05
